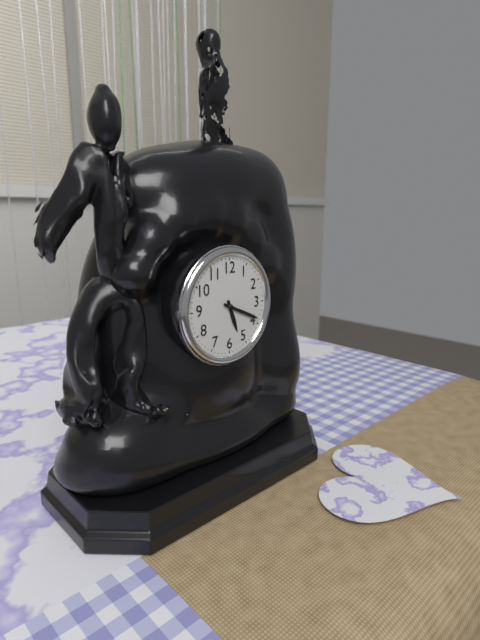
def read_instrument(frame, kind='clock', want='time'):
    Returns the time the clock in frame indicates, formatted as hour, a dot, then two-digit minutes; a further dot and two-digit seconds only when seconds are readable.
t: 5.19
